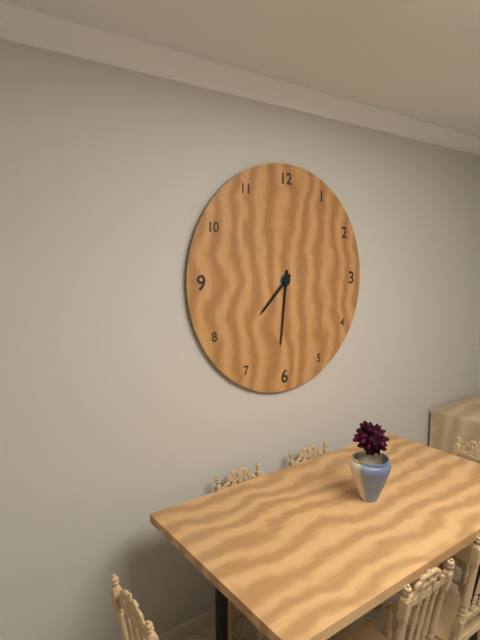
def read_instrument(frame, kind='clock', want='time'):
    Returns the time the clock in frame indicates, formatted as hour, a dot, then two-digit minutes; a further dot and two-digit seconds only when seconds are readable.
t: 7.31
